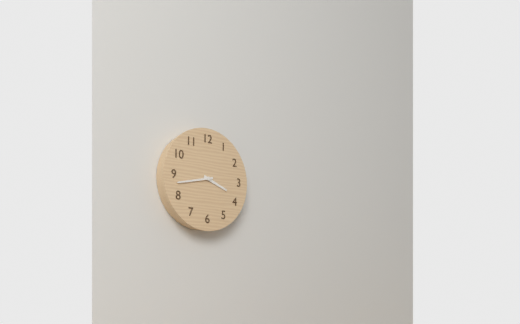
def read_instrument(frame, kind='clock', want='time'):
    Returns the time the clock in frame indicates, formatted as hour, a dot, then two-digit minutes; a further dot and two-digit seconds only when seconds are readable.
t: 3.43
